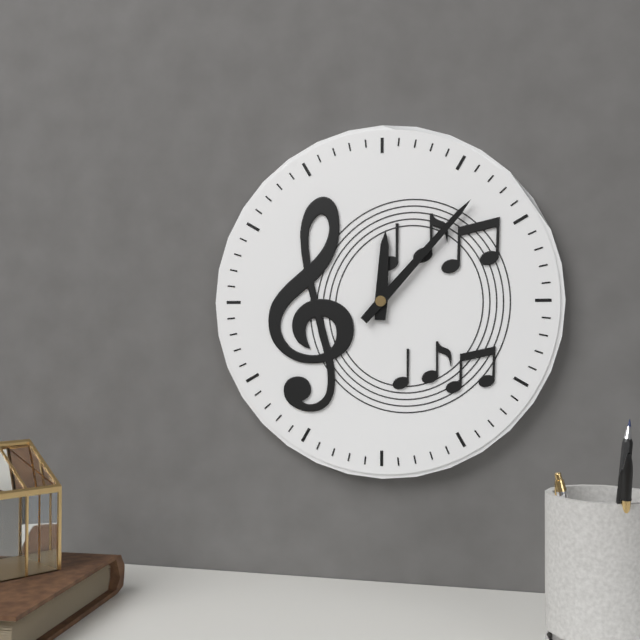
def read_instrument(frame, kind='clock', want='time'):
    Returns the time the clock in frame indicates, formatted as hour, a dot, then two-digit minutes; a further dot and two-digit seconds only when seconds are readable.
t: 12.07
